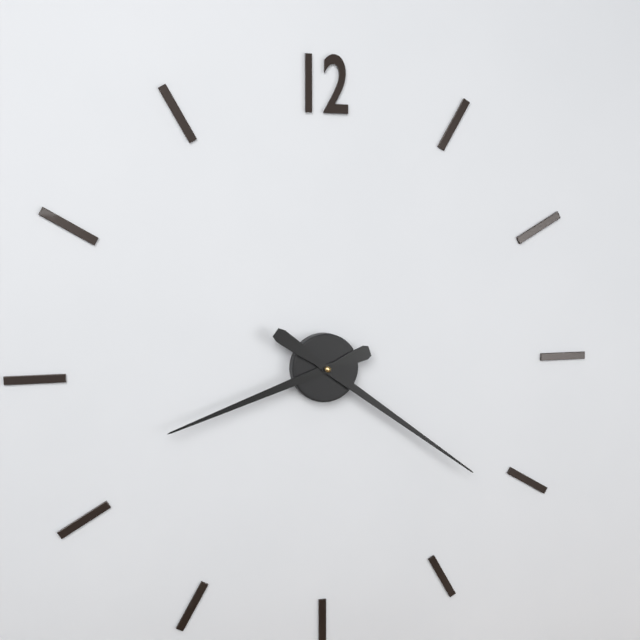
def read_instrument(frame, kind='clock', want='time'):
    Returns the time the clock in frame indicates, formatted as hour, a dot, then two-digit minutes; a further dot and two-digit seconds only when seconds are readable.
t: 8.21
